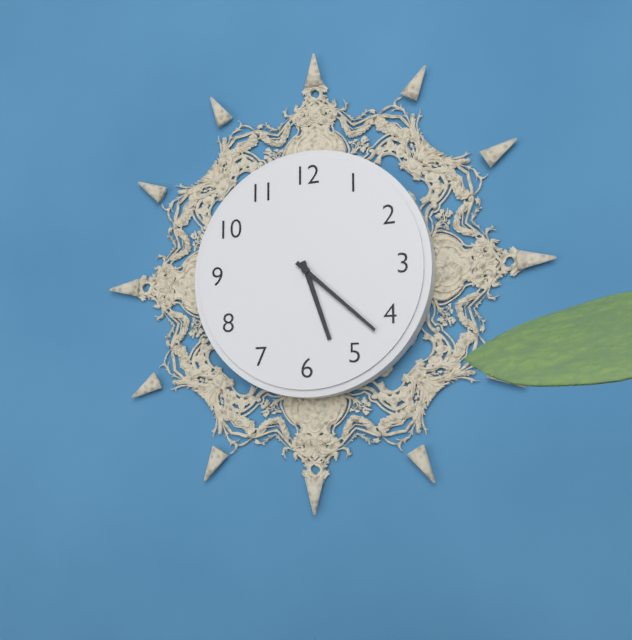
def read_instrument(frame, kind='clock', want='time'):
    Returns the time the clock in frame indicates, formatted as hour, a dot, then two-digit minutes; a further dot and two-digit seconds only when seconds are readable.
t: 5.22
